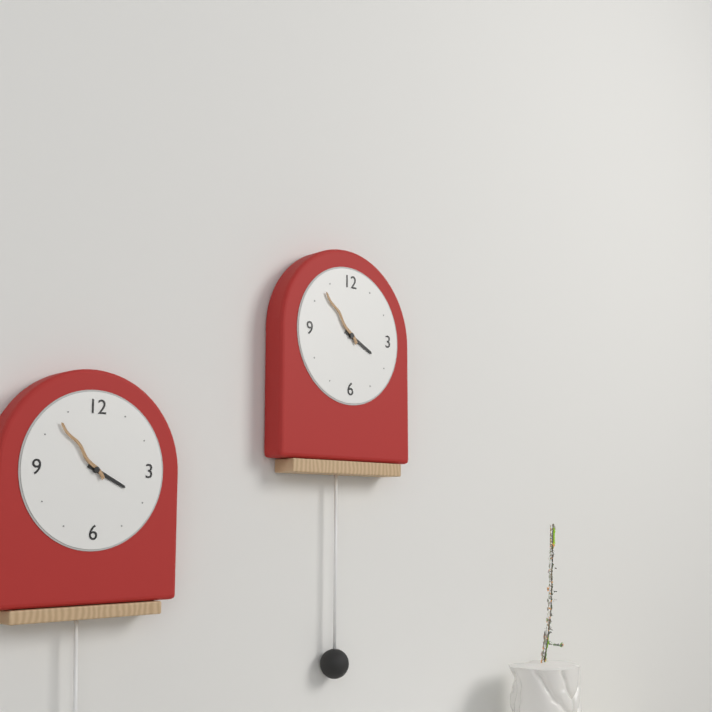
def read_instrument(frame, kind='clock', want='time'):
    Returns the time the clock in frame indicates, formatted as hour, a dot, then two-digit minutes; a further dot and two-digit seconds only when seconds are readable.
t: 3.53
